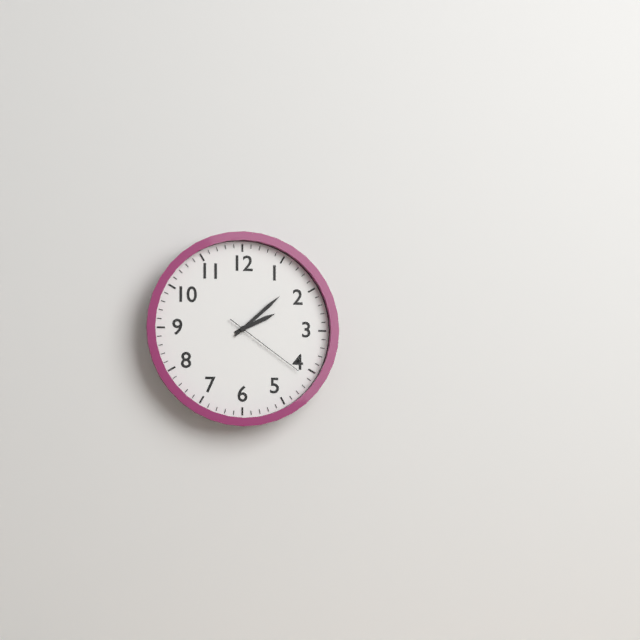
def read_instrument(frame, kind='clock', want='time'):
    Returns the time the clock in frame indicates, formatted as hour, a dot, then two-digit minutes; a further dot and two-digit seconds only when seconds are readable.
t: 2.08.21
